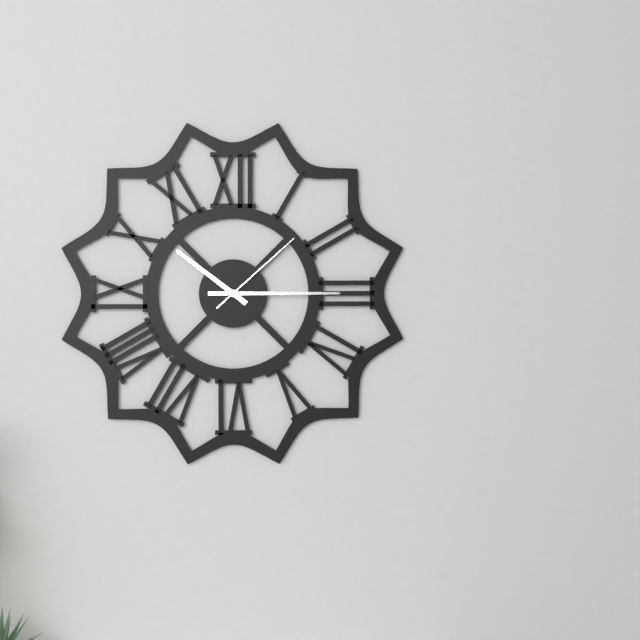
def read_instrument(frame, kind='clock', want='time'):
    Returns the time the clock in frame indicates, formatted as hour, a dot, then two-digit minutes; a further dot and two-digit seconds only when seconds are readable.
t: 10.15.08
